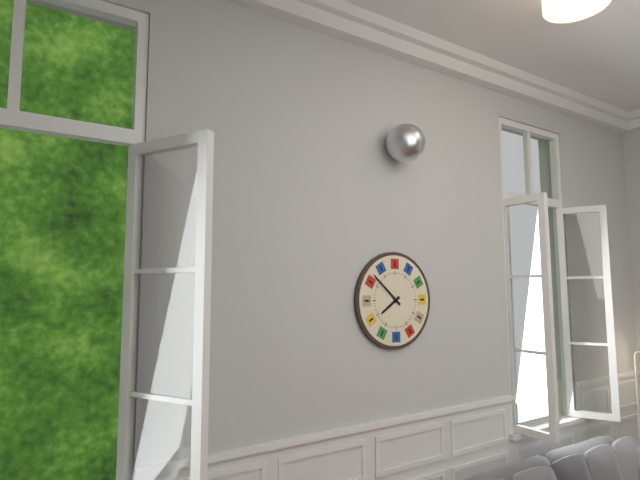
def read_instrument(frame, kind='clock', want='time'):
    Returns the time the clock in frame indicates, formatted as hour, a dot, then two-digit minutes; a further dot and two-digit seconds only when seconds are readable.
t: 7.52
